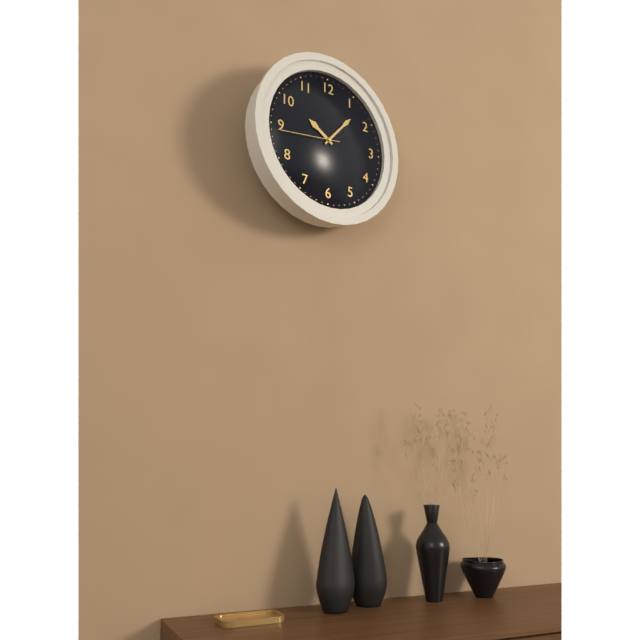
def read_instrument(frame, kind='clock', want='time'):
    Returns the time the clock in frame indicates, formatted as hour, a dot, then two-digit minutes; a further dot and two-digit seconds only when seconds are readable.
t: 10.07.44
